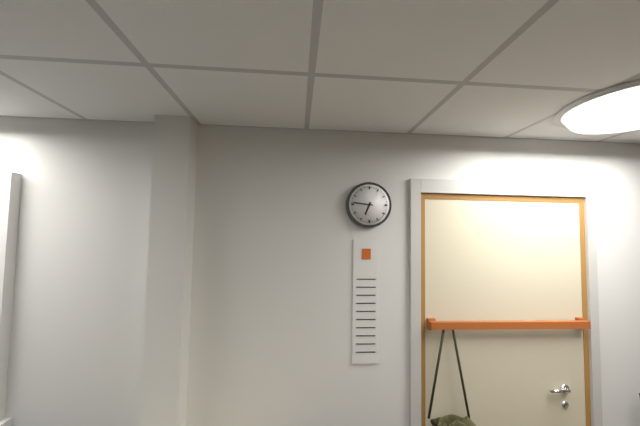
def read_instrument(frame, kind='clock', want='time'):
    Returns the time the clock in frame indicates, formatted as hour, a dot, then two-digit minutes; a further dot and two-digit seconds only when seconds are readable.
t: 6.46
